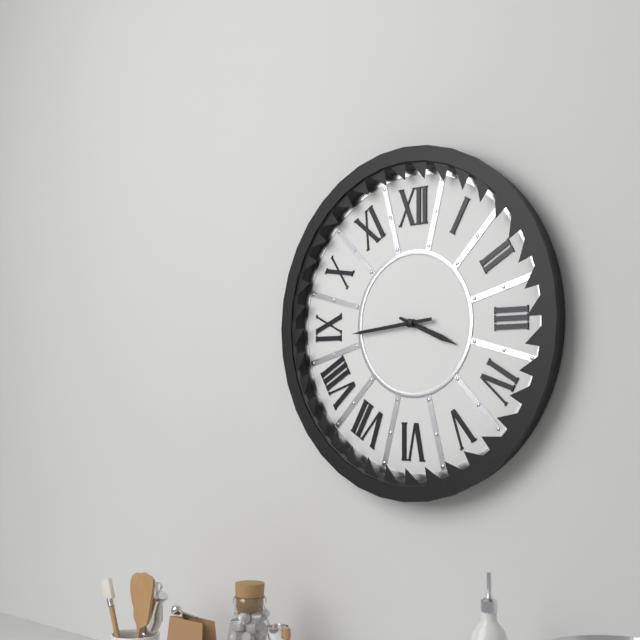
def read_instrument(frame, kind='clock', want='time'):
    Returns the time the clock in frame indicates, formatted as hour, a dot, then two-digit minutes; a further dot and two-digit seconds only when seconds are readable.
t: 3.44
